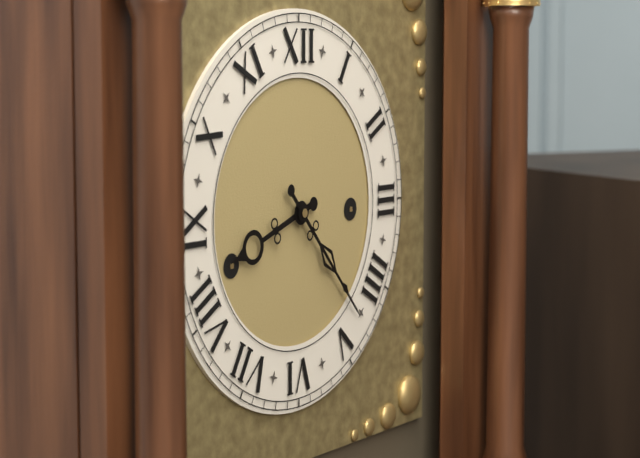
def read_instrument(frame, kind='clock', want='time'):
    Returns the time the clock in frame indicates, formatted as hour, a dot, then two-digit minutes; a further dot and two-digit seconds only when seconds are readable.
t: 8.23
